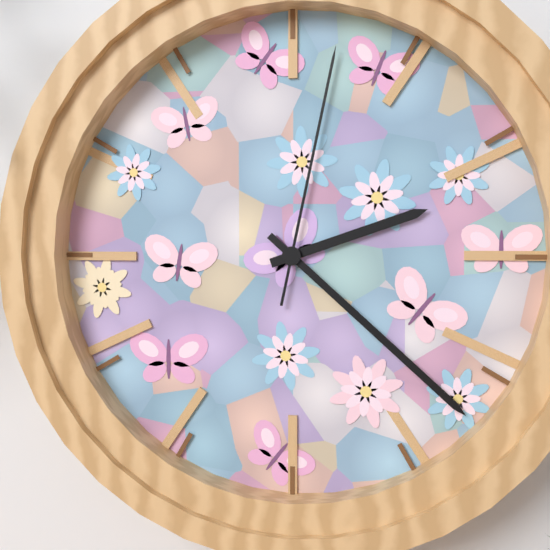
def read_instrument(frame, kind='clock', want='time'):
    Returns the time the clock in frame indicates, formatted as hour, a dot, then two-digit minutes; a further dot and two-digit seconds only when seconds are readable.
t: 2.22.02
